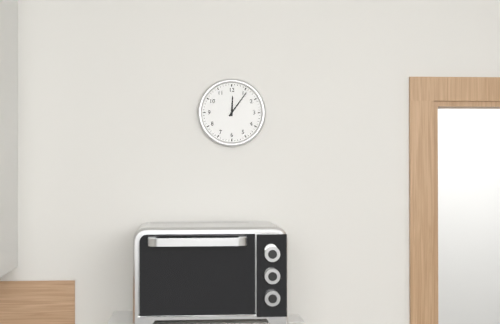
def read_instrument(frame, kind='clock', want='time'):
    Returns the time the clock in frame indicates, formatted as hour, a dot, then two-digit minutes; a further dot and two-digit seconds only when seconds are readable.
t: 12.06
